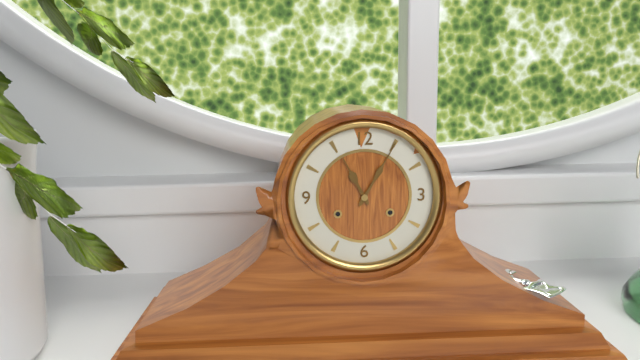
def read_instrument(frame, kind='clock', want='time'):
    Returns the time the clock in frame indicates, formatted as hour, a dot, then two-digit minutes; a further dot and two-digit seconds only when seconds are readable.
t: 11.05
